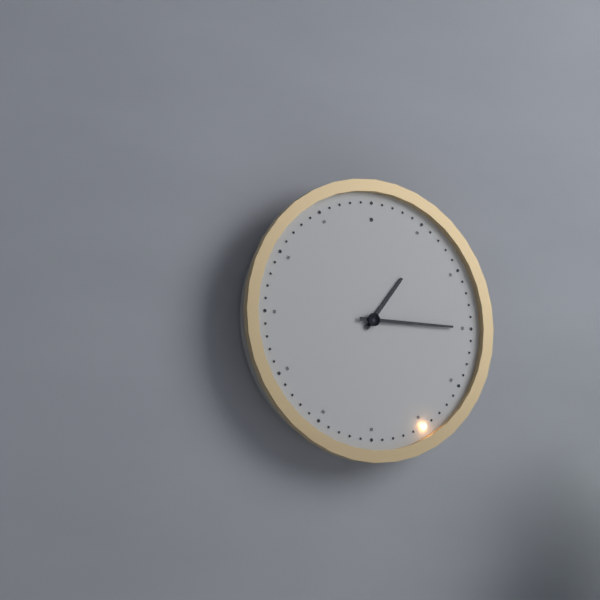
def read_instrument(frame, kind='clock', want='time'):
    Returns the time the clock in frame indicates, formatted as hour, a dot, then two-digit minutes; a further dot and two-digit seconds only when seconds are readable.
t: 1.15
